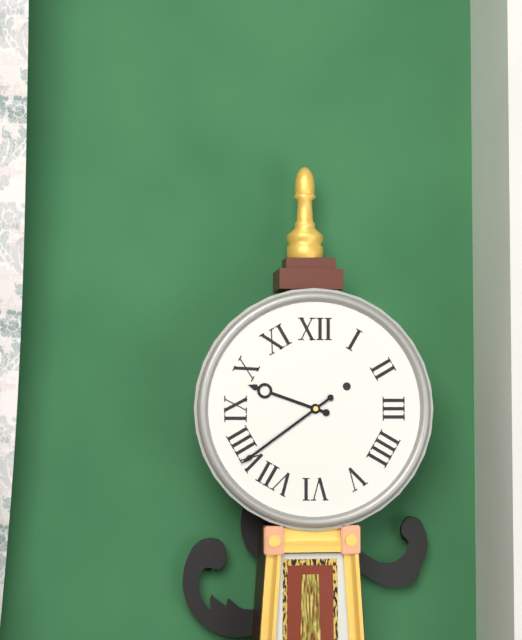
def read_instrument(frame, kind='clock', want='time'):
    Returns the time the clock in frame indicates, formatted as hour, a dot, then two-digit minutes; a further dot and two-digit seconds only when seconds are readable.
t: 9.39
